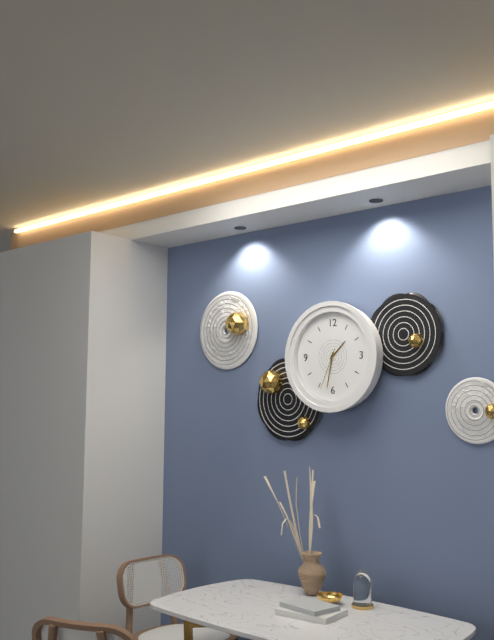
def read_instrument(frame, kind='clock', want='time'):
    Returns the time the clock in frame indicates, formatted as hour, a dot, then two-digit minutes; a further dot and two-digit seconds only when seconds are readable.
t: 1.32
